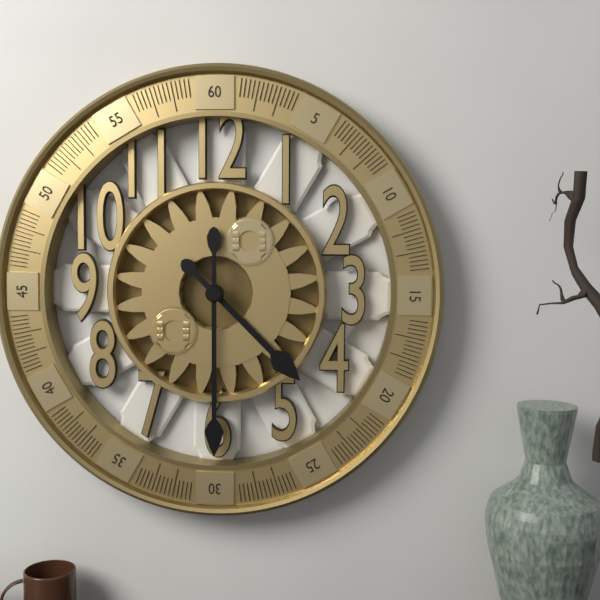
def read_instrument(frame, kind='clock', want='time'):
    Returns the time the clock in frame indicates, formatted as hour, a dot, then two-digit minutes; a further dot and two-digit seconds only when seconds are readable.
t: 4.30
